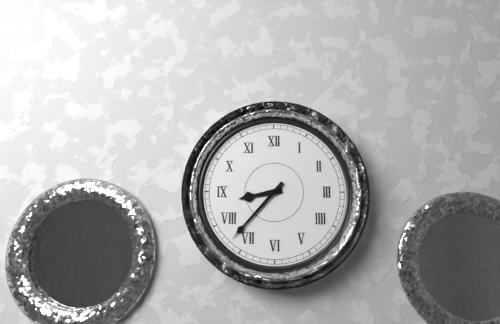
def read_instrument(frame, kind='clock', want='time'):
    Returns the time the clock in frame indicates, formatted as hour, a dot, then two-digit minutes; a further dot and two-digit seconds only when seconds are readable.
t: 8.37
